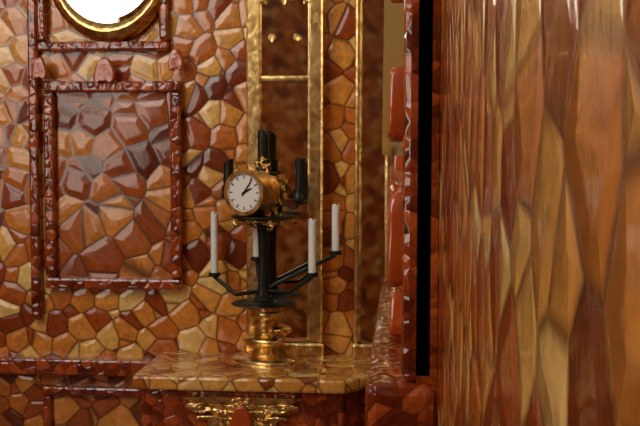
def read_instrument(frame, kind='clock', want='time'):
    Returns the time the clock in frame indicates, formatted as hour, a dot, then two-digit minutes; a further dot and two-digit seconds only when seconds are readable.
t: 2.06
